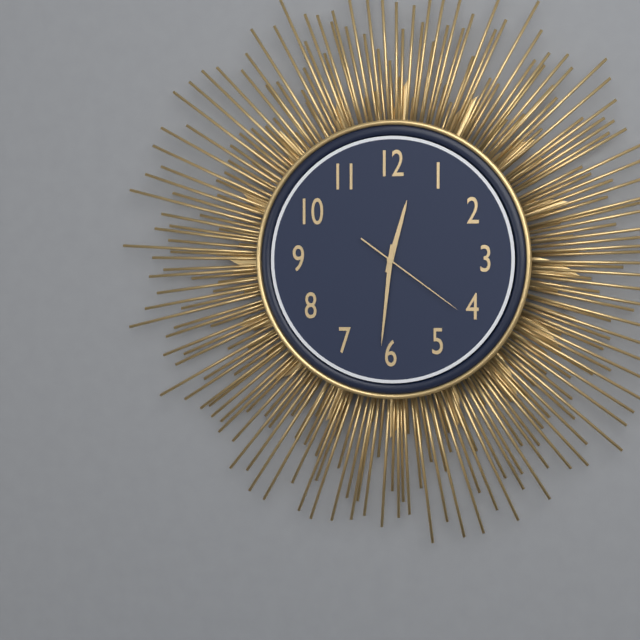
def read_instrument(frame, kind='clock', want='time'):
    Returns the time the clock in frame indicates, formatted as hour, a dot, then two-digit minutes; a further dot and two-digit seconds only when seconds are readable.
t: 12.31.21
